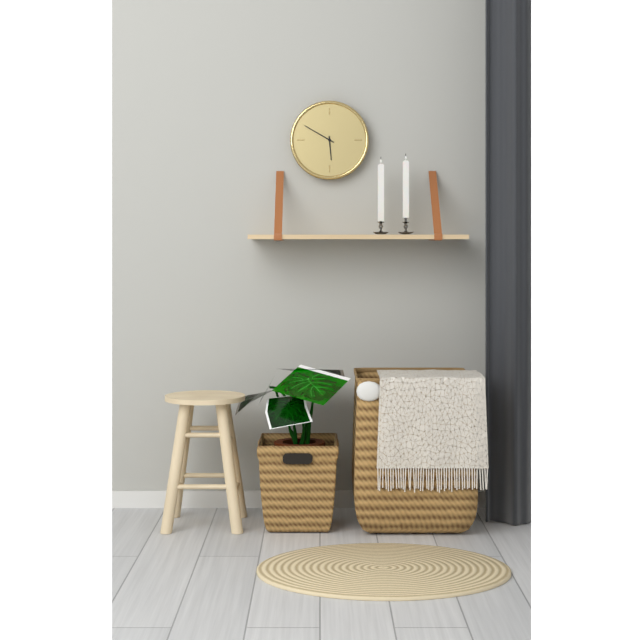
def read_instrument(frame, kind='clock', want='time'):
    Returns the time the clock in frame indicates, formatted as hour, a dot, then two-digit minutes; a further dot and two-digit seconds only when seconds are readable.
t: 5.50
